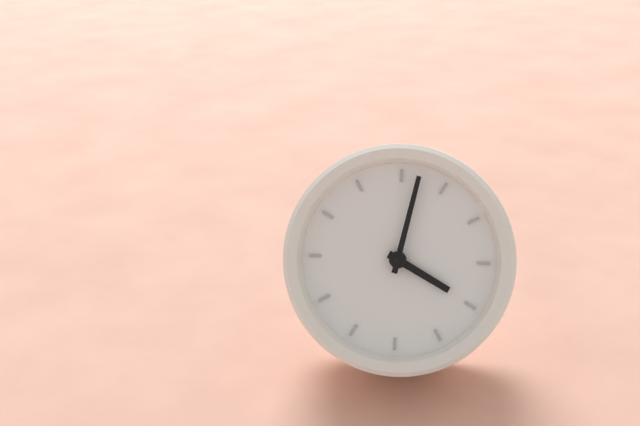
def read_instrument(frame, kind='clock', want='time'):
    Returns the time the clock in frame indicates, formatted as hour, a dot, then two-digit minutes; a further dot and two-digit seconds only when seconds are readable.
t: 2.57
